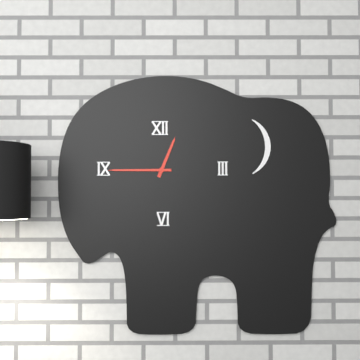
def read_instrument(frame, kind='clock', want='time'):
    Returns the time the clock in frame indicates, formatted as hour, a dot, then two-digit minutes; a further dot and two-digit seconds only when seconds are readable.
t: 12.45
